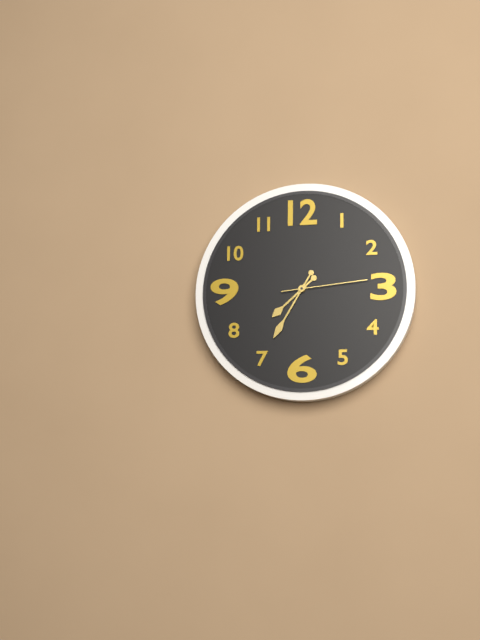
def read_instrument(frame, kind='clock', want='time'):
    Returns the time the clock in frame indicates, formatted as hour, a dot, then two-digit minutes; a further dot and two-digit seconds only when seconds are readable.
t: 7.35.14
